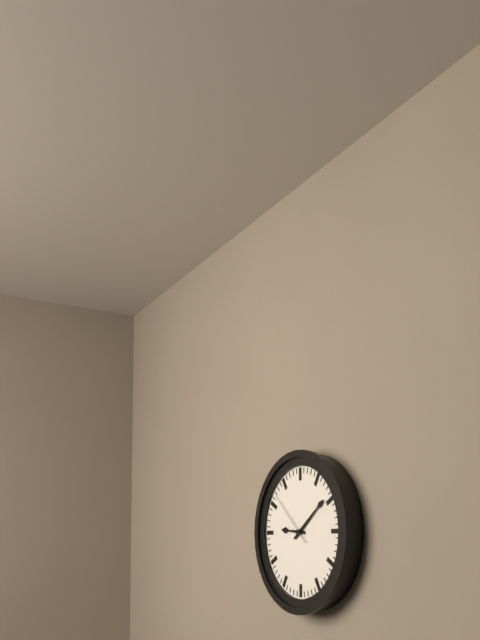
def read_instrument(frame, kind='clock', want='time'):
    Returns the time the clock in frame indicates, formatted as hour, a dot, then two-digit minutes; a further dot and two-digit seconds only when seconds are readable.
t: 9.09.52
